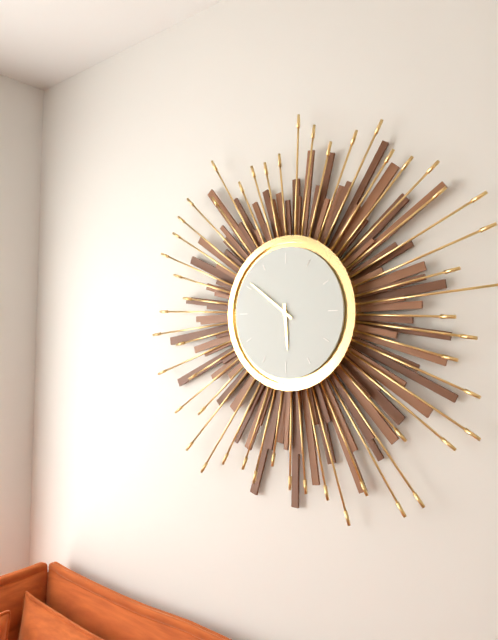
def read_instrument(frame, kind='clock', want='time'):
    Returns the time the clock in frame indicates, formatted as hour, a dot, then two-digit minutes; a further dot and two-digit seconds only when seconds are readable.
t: 5.51
